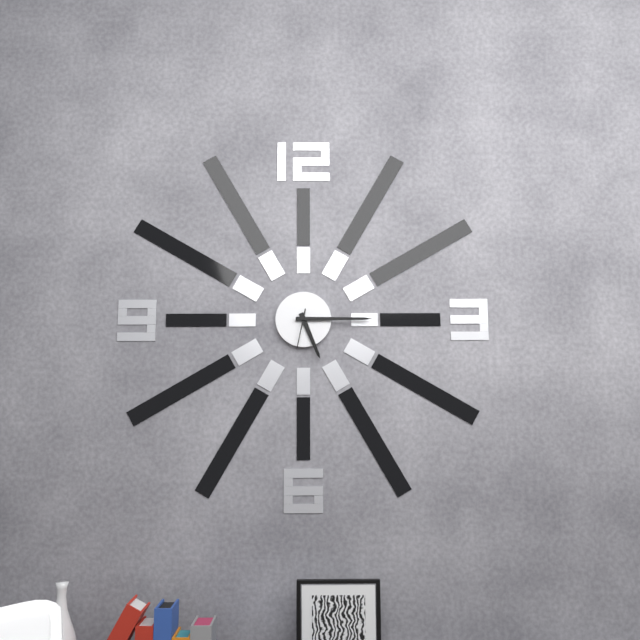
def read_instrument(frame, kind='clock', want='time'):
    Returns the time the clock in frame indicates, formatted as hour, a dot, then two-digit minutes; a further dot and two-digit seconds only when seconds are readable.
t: 5.15
